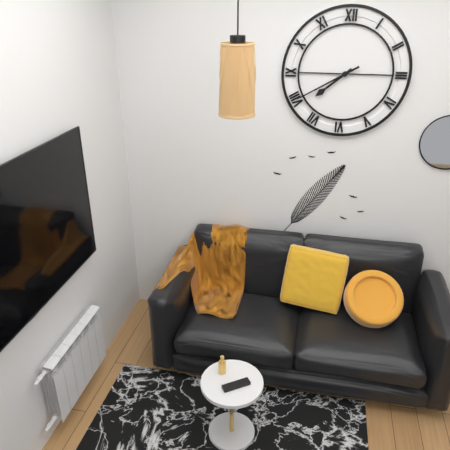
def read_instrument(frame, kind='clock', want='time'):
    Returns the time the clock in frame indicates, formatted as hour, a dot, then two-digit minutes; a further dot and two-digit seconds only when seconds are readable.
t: 7.40
